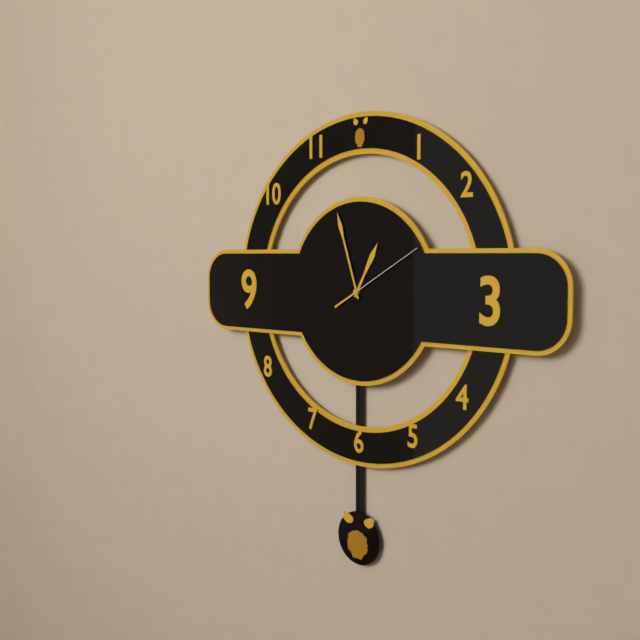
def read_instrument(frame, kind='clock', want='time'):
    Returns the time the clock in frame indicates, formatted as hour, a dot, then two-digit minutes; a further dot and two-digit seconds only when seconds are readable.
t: 12.57.10
